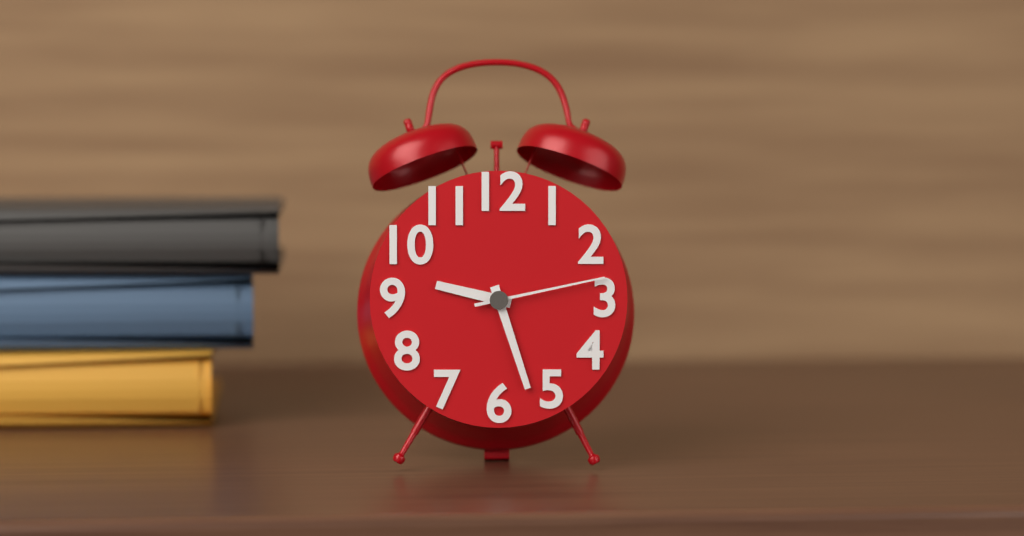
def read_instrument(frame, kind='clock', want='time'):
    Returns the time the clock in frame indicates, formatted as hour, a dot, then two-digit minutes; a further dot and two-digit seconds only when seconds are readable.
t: 9.27.13
